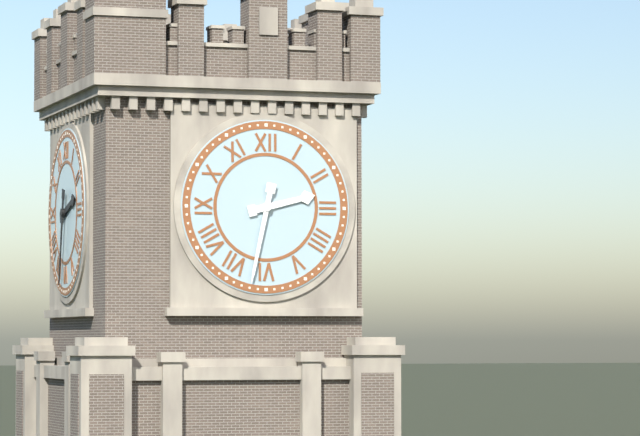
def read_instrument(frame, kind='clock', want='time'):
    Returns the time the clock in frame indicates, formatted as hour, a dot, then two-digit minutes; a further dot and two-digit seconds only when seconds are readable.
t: 2.32
